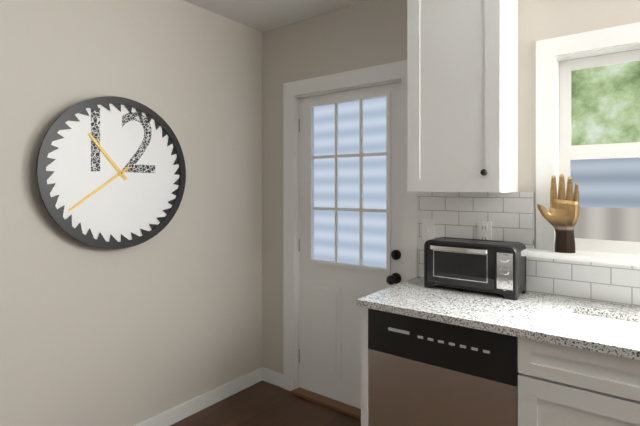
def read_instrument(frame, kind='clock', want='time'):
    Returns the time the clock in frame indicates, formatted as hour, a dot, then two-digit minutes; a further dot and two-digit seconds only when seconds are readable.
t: 10.39
